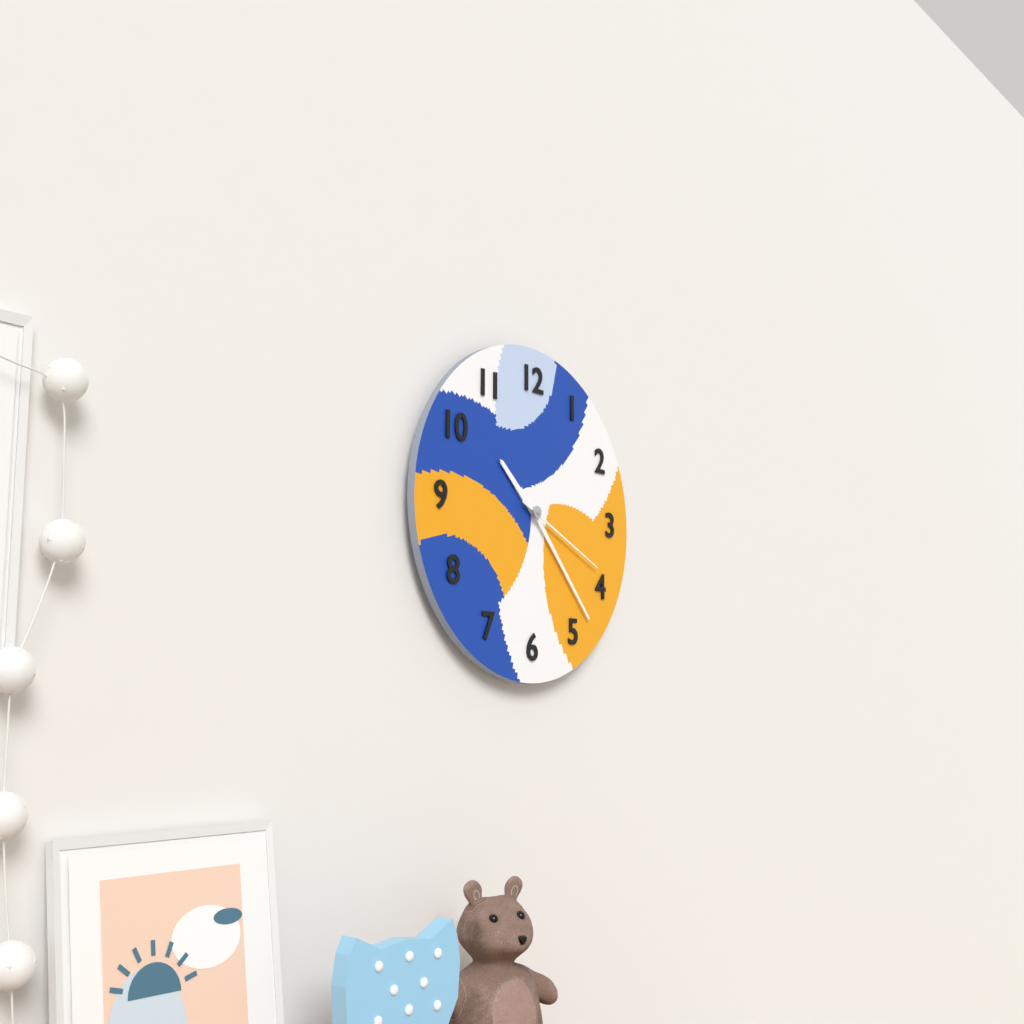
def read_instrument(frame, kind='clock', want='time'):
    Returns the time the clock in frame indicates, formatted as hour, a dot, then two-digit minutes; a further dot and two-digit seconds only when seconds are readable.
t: 10.23.19
